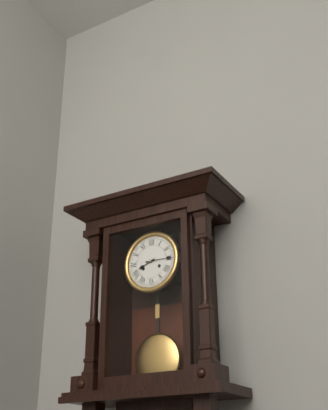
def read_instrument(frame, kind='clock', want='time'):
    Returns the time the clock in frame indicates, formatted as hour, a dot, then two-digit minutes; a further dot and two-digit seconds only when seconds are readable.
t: 8.15
